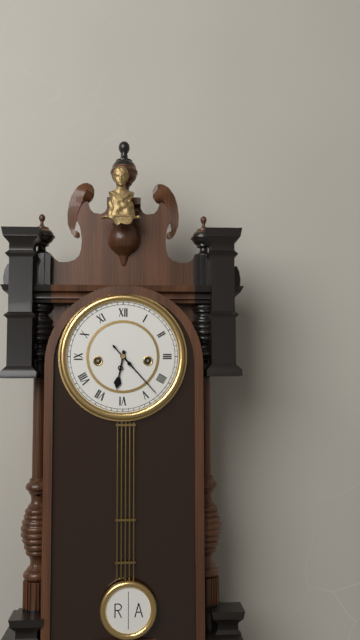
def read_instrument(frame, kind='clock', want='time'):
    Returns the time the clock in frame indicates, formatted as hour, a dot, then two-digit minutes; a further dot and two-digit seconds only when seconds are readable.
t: 6.23
